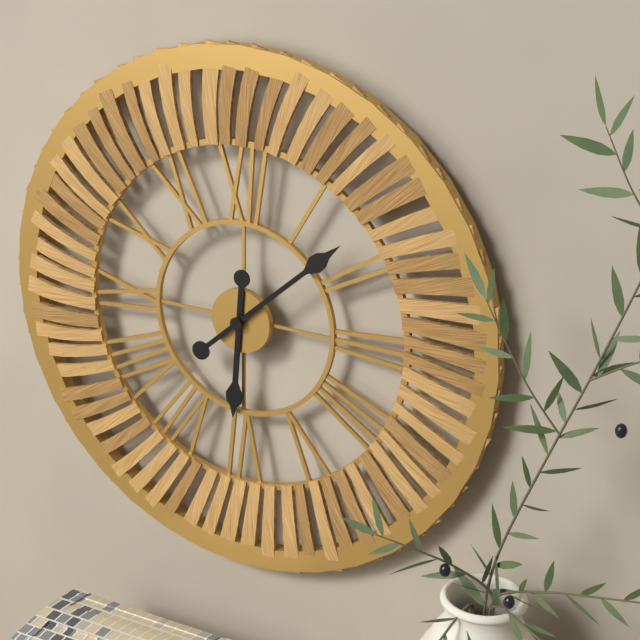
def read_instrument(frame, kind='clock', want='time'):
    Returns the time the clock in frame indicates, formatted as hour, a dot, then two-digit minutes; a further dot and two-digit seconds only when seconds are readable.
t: 6.08
